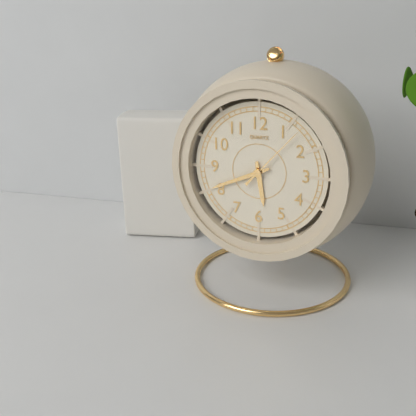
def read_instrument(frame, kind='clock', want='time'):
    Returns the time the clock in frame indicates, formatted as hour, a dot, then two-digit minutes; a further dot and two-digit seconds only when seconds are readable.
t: 5.41.07
